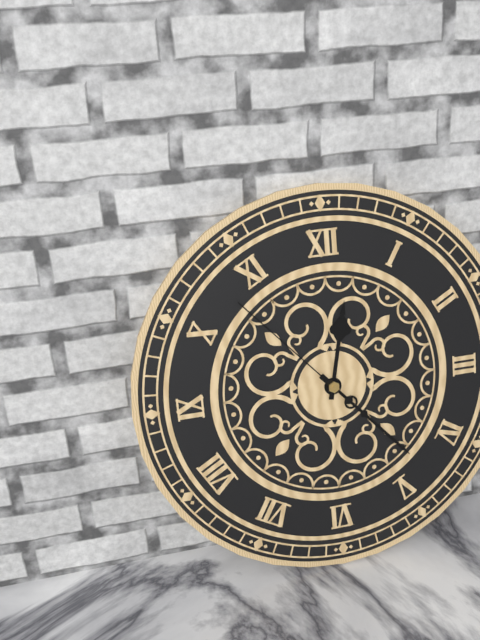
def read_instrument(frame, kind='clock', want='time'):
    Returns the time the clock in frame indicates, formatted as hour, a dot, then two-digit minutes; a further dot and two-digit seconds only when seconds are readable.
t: 12.23.53
